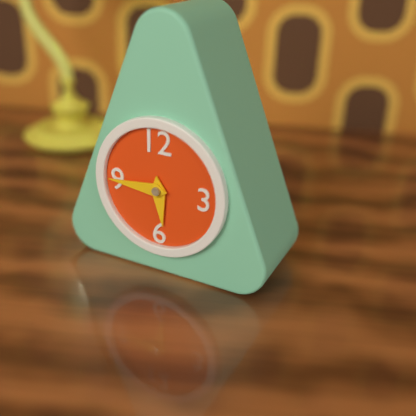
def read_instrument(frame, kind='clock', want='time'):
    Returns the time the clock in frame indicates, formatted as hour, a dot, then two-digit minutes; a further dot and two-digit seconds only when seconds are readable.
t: 5.45
